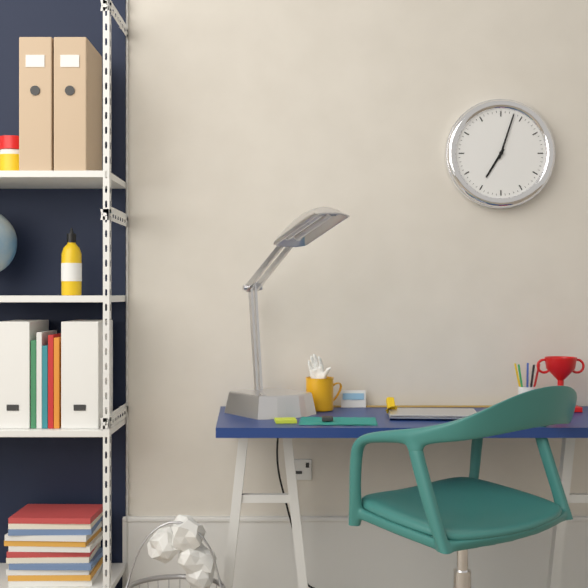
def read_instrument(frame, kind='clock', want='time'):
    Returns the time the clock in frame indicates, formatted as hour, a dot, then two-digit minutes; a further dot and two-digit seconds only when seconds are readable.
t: 7.03
